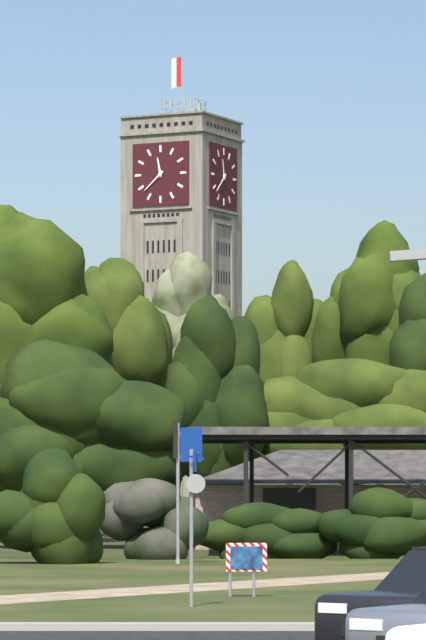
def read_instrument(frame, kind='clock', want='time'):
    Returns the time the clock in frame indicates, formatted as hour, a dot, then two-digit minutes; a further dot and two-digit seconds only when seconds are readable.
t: 11.38
